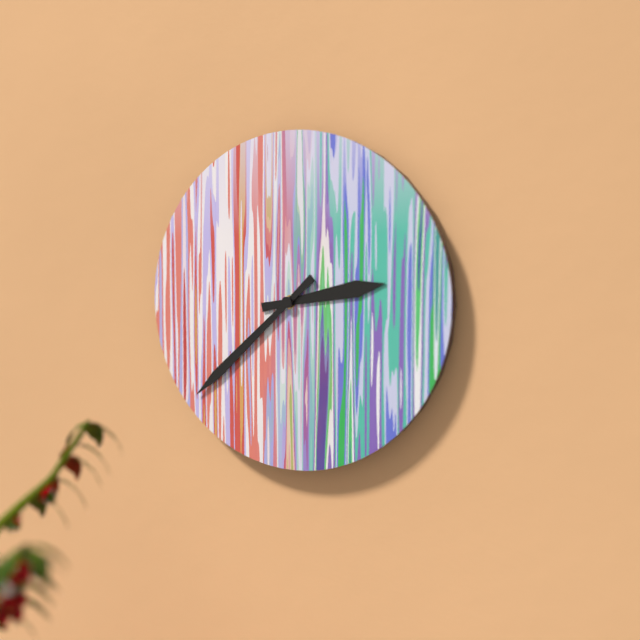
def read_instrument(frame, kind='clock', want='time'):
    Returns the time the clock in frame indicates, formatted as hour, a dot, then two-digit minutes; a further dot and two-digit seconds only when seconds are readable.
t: 2.38
